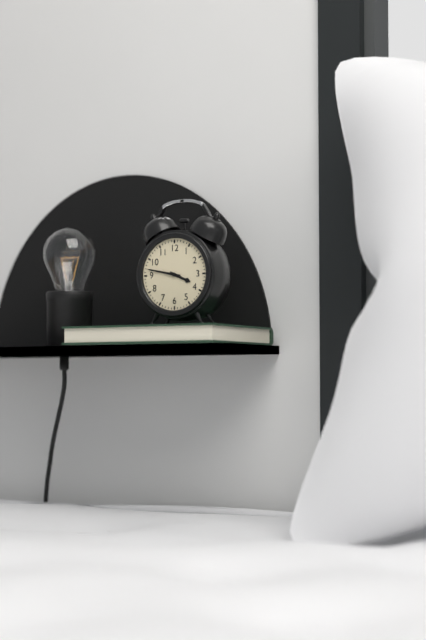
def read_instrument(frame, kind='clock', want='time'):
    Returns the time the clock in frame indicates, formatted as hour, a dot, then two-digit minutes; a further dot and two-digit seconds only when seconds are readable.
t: 3.47
